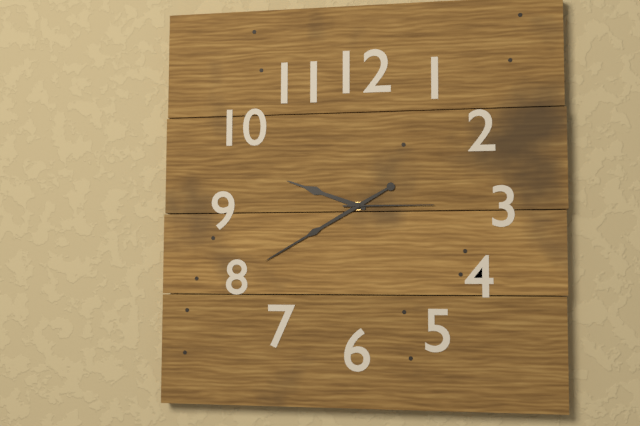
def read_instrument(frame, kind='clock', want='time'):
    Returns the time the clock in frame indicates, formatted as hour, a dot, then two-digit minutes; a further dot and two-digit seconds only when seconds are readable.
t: 9.40.15
